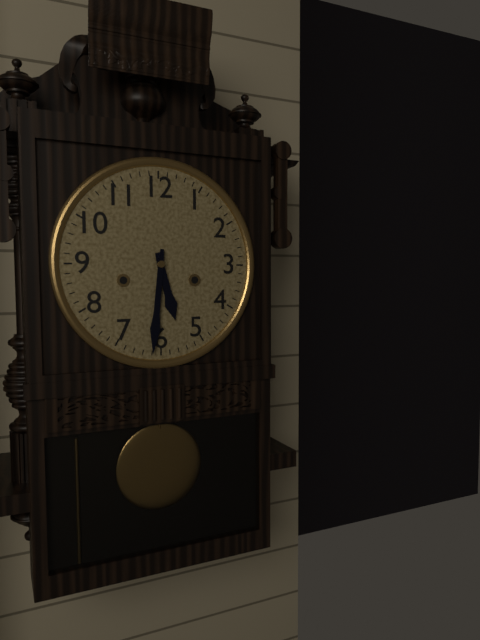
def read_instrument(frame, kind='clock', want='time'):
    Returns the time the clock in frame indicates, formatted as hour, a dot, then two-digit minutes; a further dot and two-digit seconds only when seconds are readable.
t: 5.31
